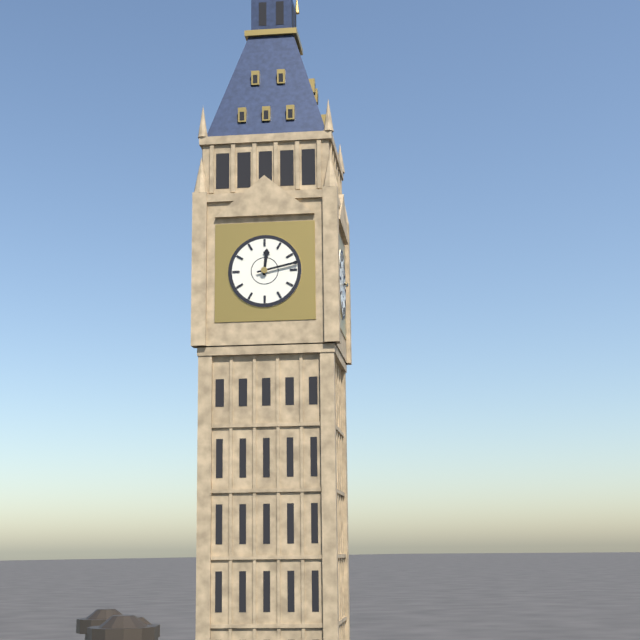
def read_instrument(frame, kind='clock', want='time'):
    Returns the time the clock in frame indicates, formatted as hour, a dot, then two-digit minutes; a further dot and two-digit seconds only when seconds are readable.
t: 12.13
